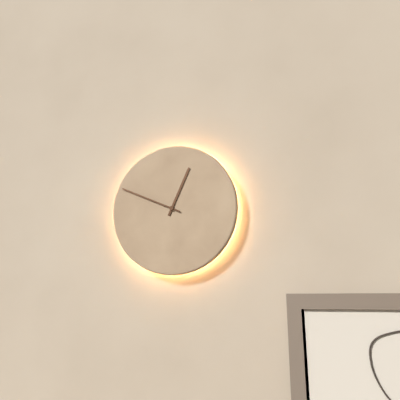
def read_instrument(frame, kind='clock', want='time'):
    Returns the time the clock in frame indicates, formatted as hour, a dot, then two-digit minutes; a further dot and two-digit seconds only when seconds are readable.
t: 12.49
